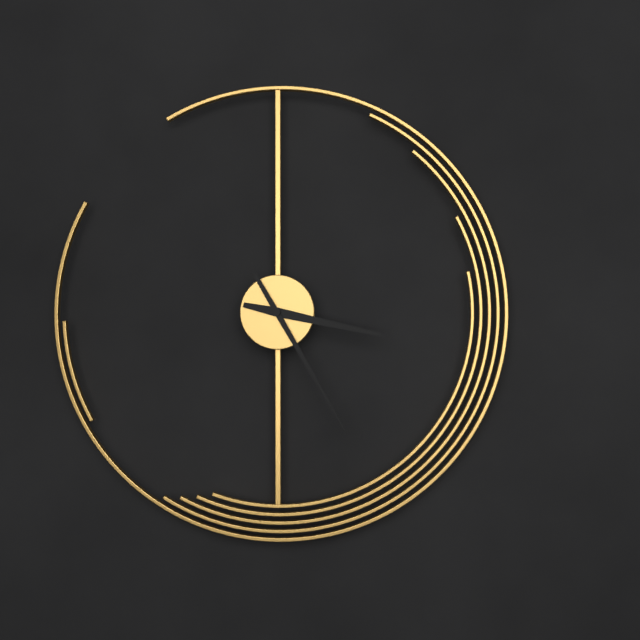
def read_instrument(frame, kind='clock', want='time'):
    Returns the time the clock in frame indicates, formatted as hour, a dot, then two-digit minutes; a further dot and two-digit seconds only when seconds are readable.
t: 3.25
